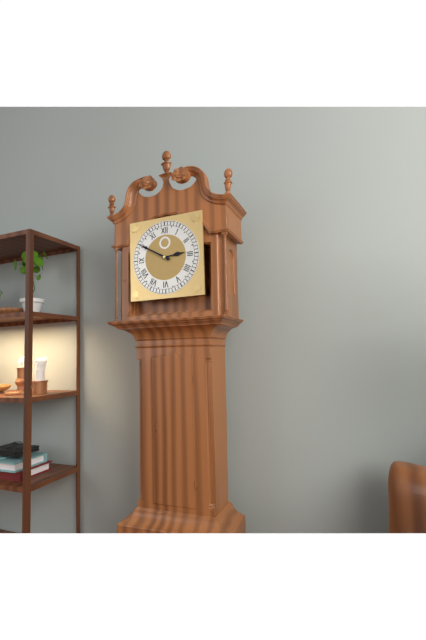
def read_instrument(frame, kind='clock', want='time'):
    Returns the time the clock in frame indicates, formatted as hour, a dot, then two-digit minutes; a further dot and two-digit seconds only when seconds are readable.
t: 2.50
